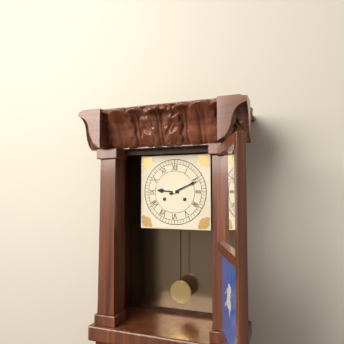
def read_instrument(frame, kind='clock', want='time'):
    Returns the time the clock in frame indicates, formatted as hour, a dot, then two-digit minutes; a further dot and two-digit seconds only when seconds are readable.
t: 9.11
